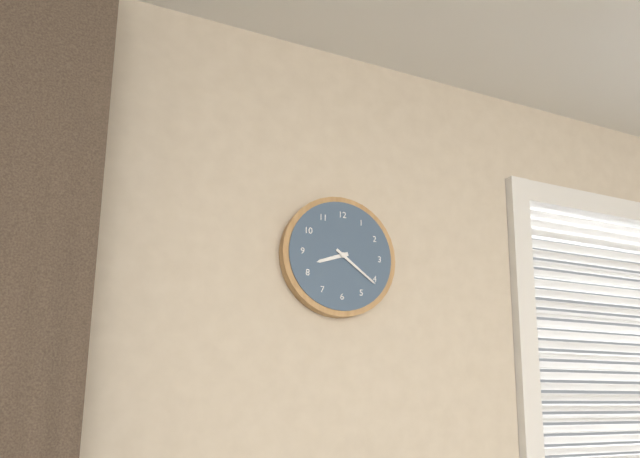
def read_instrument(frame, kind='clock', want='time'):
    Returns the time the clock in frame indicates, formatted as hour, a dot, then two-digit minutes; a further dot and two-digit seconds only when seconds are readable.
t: 8.21
